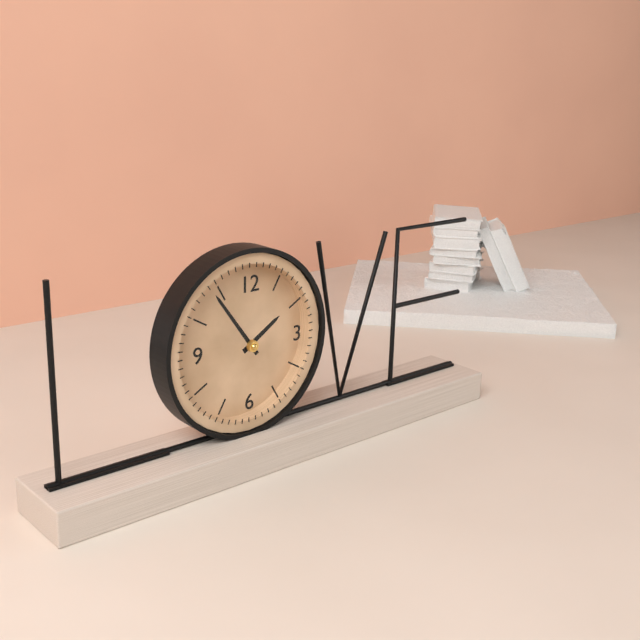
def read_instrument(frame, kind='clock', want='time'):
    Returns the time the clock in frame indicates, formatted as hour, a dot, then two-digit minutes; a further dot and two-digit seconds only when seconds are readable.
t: 1.54
